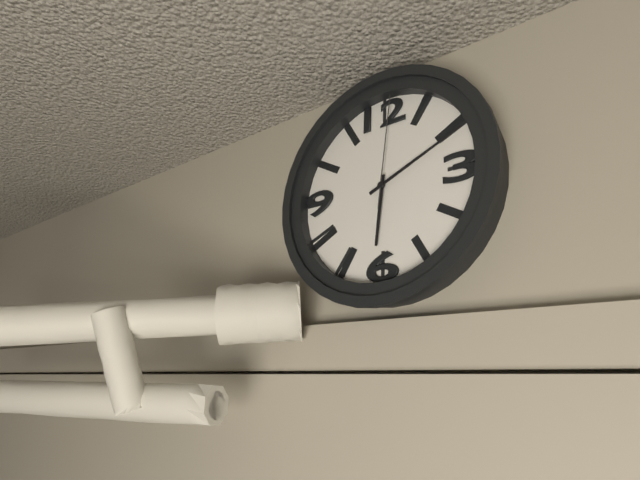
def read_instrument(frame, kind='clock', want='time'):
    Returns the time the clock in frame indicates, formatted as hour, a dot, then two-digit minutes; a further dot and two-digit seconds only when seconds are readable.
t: 6.11.01
